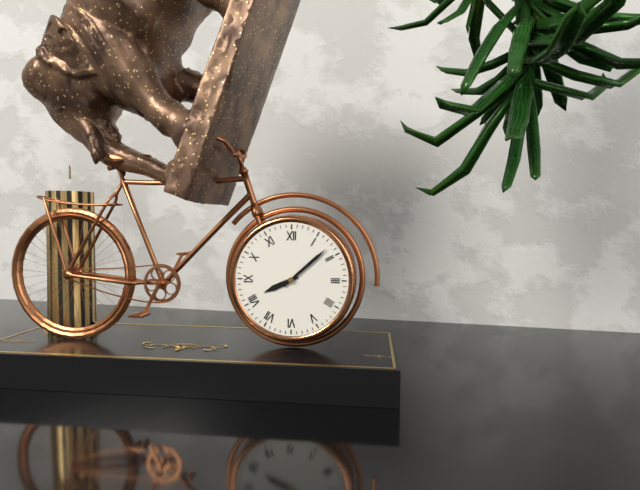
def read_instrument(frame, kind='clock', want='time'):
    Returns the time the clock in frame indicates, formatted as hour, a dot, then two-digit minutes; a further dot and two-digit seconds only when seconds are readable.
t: 8.08
